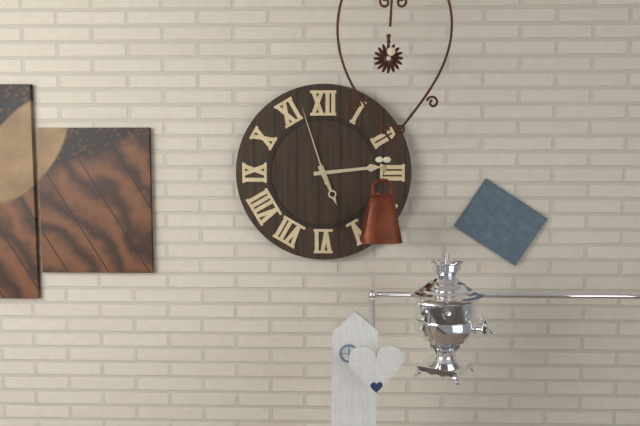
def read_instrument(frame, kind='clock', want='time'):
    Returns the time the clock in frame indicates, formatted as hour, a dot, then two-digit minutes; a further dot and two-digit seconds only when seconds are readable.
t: 5.14.57
